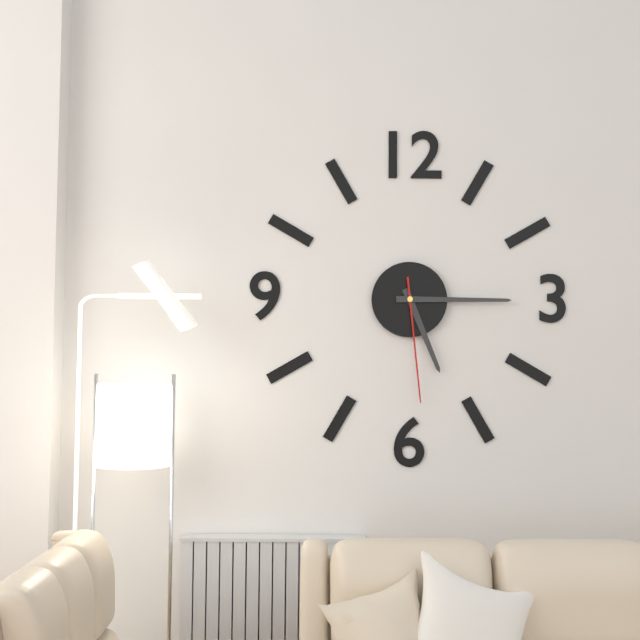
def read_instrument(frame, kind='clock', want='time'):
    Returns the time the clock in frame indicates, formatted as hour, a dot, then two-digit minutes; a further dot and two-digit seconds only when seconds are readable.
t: 5.15.29
